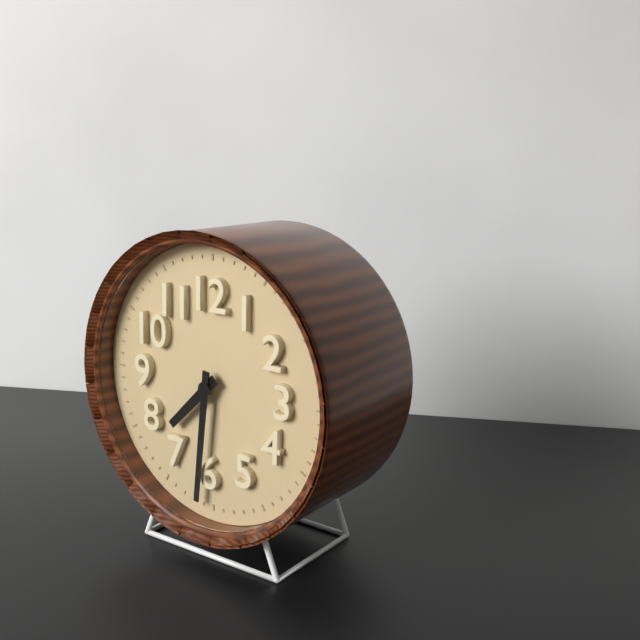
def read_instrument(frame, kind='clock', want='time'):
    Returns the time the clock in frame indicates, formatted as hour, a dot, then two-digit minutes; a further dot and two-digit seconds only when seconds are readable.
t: 7.31
